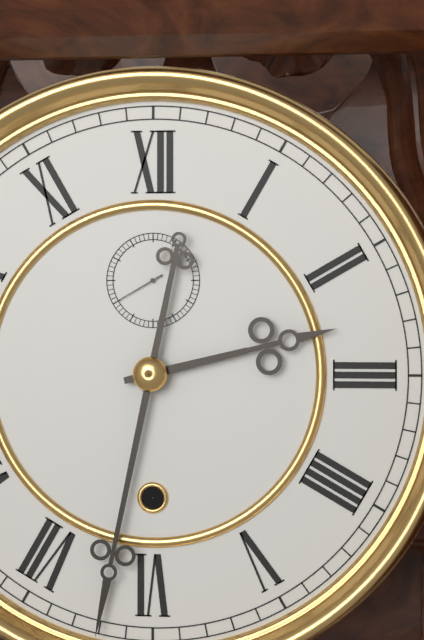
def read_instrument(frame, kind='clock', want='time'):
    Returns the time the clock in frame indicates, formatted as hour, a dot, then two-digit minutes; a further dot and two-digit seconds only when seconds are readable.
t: 2.32.40
